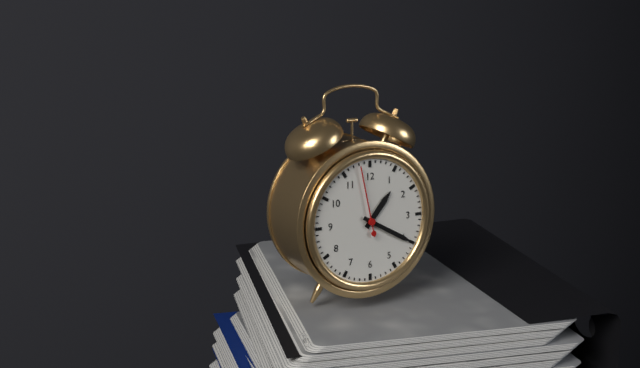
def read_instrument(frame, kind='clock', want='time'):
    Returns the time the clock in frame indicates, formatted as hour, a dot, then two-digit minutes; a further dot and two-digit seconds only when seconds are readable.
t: 1.20.58
